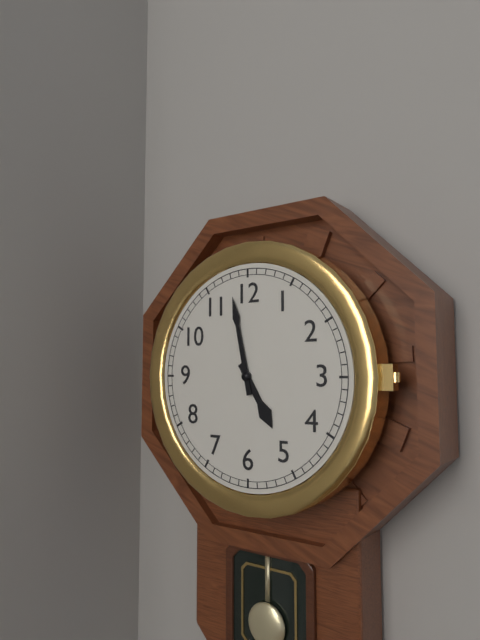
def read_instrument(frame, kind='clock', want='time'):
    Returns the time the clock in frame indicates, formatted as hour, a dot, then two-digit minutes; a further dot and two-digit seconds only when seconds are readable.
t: 4.58
